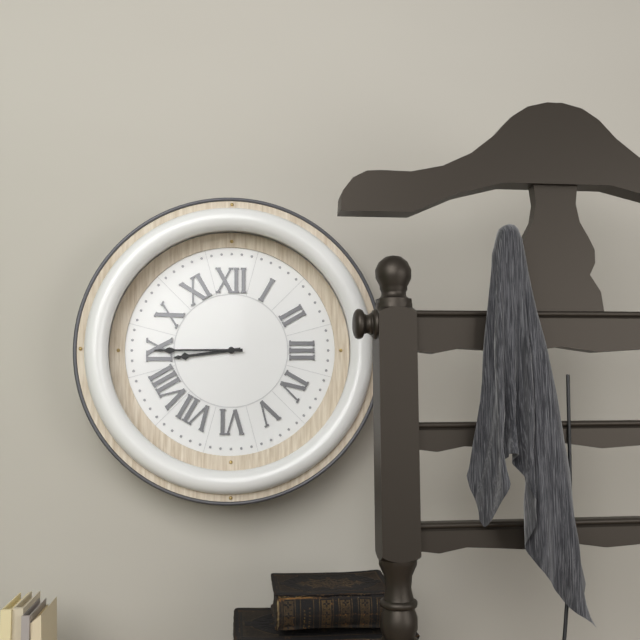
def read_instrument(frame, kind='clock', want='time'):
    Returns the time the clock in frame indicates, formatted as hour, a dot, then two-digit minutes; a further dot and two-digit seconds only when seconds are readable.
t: 8.45
